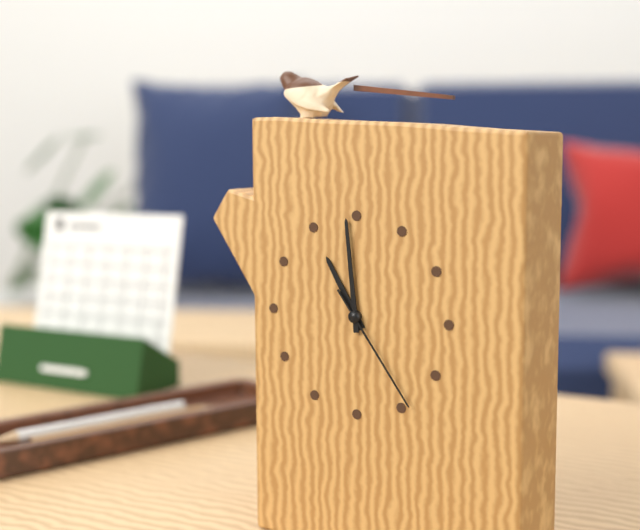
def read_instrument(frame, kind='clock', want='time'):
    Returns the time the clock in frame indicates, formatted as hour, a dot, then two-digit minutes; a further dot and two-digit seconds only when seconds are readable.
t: 10.59.24
